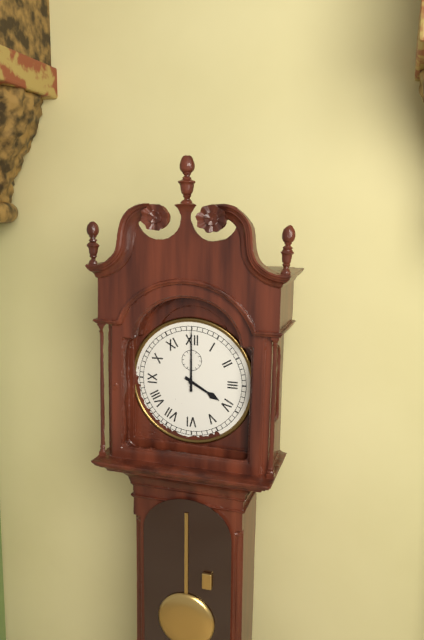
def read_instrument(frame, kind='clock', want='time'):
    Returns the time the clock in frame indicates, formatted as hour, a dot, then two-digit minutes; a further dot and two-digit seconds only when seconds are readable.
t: 4.00
